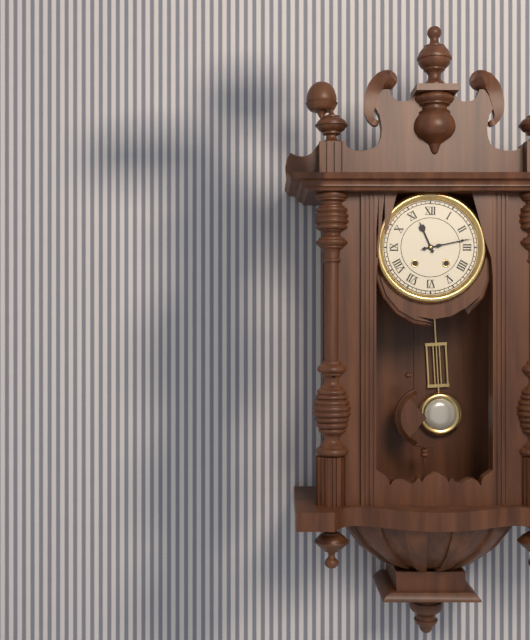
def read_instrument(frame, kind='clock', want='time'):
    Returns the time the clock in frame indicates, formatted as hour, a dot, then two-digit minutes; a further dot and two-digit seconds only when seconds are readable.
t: 11.13
